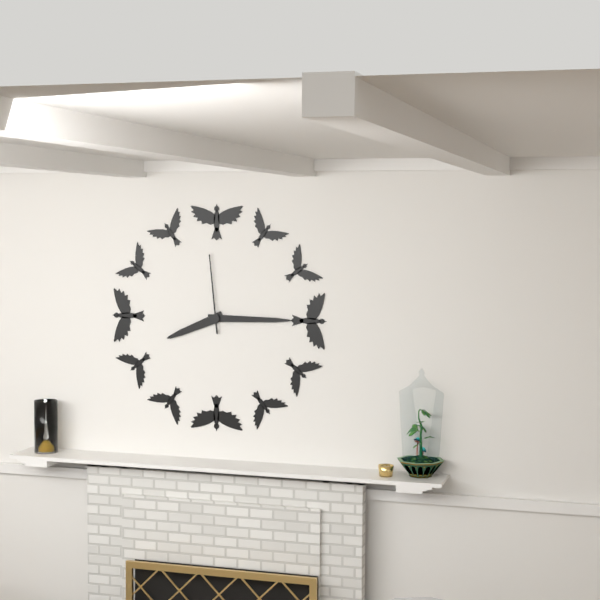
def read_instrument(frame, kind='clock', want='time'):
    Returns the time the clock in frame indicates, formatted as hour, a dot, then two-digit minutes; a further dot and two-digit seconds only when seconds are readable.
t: 8.15.59
